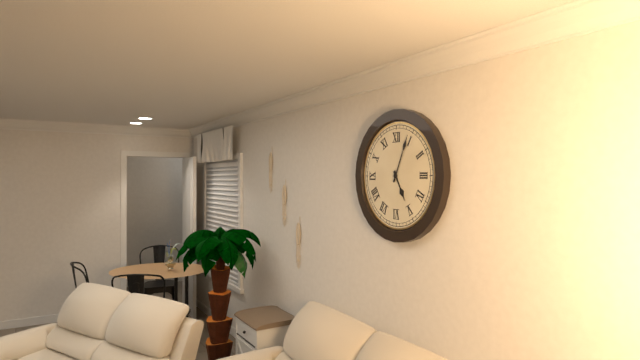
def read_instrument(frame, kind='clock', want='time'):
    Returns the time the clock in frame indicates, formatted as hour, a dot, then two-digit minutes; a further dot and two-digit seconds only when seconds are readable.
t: 5.04
